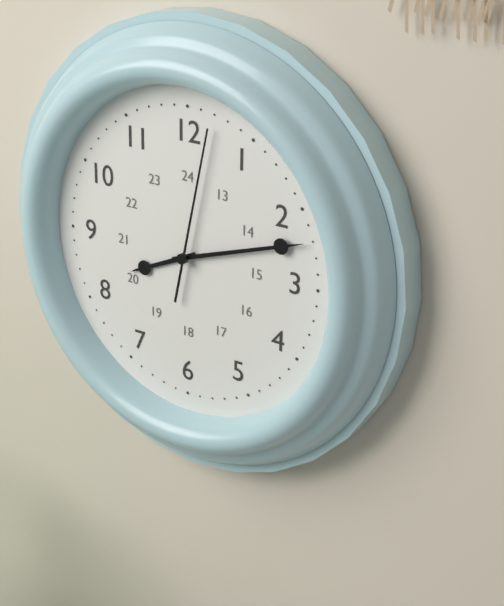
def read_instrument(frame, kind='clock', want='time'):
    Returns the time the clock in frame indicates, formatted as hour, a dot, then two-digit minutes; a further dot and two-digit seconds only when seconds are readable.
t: 8.12.02
